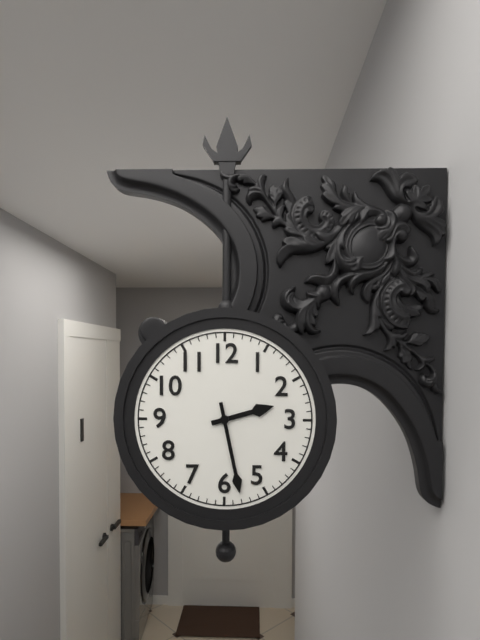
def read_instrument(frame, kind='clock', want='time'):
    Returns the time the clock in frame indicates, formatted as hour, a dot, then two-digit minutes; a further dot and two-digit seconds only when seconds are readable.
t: 2.28
